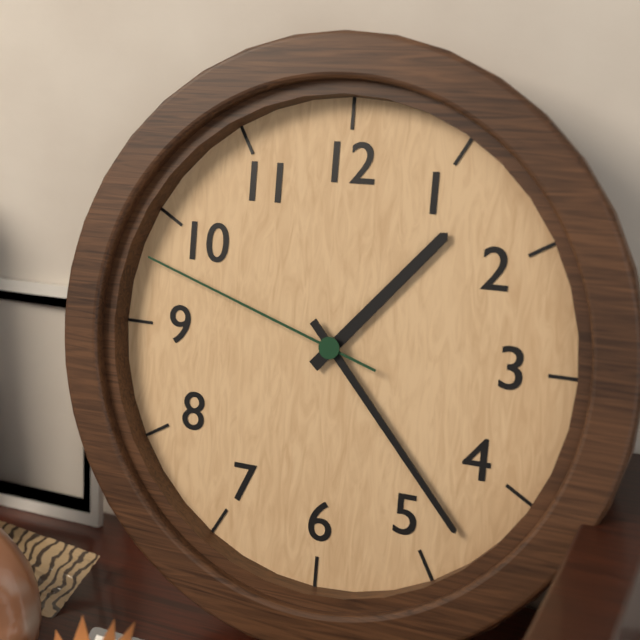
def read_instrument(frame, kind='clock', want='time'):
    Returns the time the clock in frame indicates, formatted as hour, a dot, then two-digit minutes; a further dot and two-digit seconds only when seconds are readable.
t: 1.23.48
